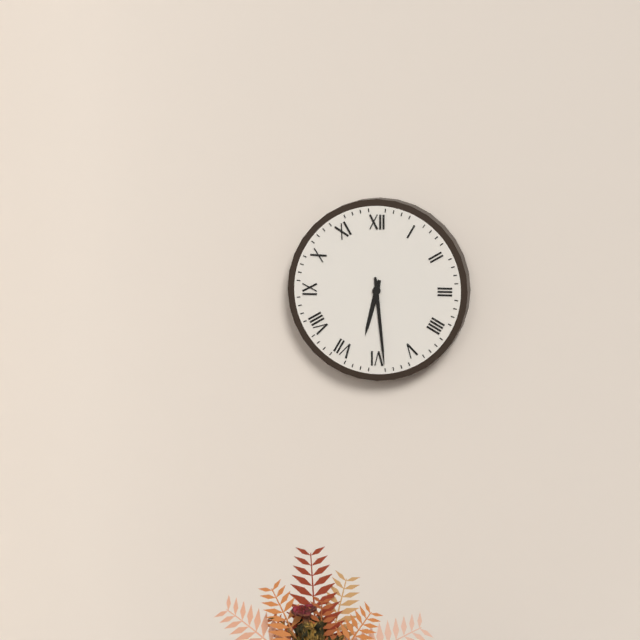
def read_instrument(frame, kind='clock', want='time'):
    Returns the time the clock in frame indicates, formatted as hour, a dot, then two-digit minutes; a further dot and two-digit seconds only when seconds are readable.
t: 6.29
